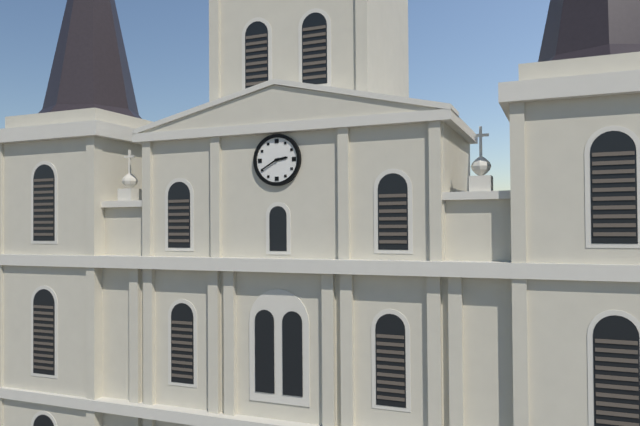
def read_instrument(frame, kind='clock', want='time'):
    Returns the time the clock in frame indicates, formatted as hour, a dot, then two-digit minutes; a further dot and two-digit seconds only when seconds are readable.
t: 2.40
